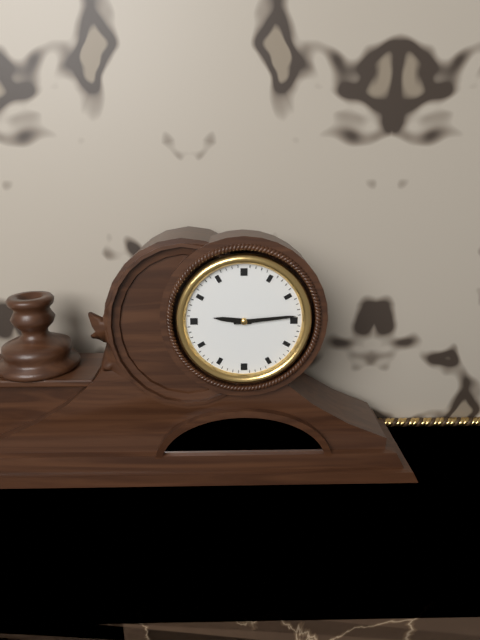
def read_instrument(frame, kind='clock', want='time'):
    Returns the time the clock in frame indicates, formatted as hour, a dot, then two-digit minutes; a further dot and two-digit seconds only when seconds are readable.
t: 9.14
